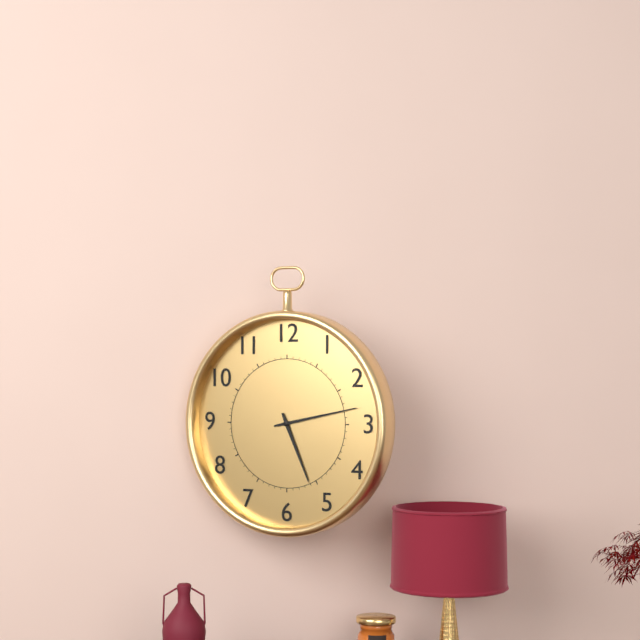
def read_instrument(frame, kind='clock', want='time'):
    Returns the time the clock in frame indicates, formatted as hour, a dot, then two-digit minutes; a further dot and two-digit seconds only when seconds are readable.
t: 5.13
